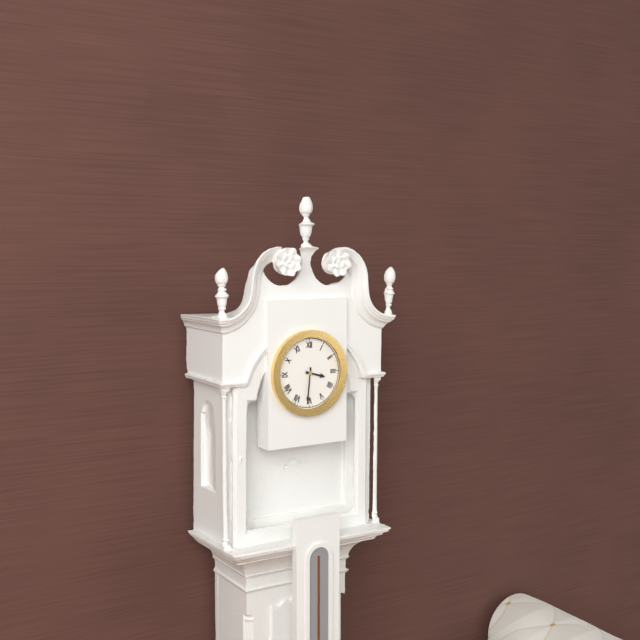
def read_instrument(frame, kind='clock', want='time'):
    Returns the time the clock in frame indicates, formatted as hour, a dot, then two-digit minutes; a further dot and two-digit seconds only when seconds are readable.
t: 3.31
